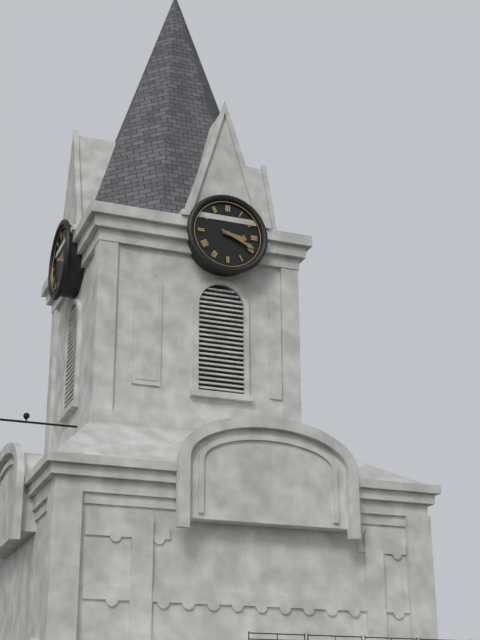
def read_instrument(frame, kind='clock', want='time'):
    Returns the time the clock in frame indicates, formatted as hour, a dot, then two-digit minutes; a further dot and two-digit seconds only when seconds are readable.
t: 3.19
